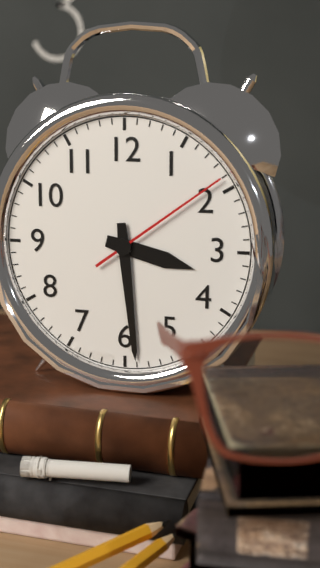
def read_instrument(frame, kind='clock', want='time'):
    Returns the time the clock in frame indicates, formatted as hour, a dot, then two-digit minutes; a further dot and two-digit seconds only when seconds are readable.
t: 3.29.09
